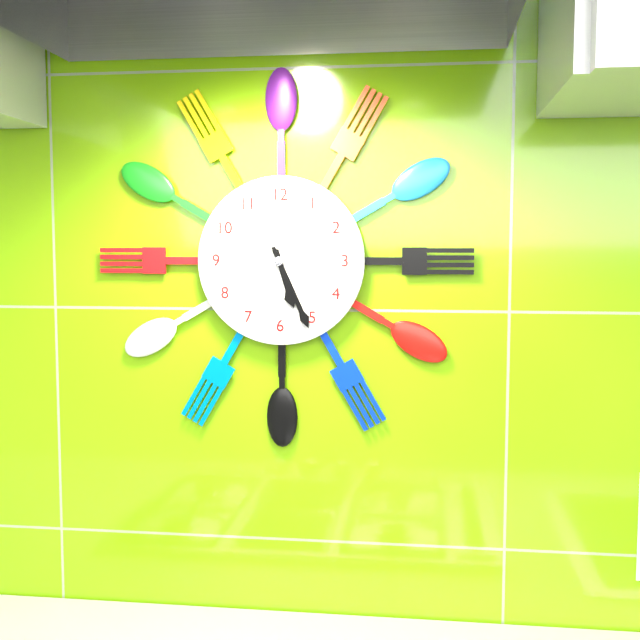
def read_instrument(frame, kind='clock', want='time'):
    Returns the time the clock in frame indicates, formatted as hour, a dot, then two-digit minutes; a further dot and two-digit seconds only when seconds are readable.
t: 5.26
